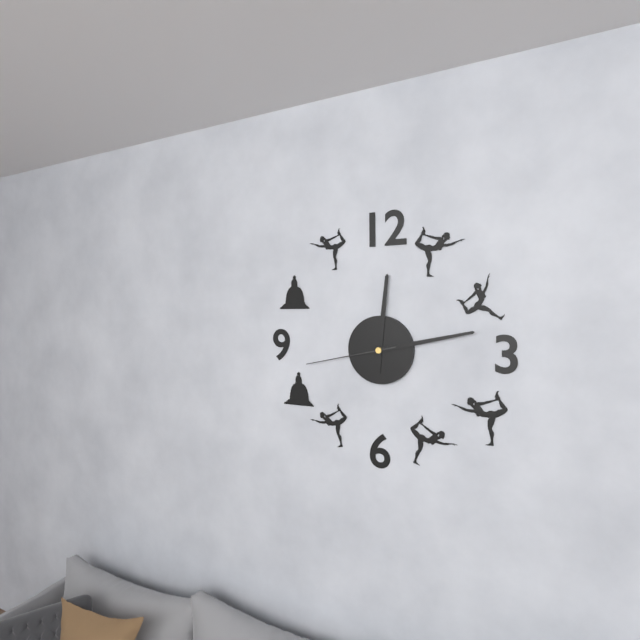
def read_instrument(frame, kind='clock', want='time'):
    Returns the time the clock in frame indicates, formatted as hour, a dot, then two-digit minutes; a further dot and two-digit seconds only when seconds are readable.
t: 12.13.43
